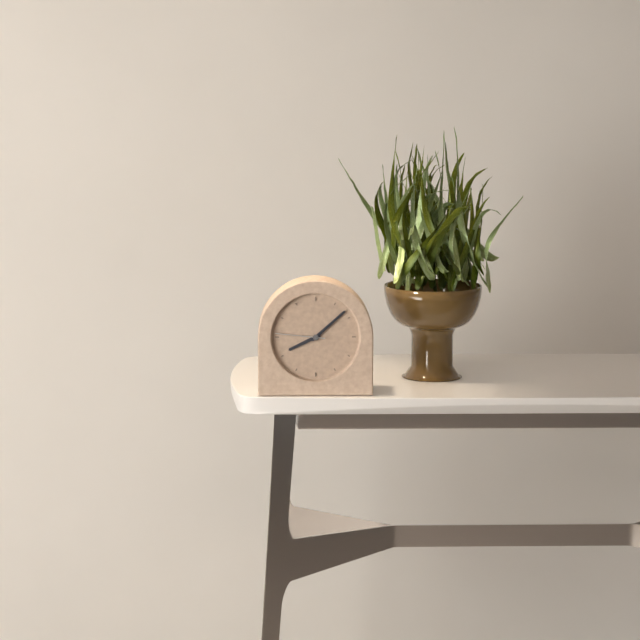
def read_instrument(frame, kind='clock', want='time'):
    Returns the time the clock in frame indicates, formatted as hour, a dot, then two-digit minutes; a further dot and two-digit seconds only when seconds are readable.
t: 8.08.46
